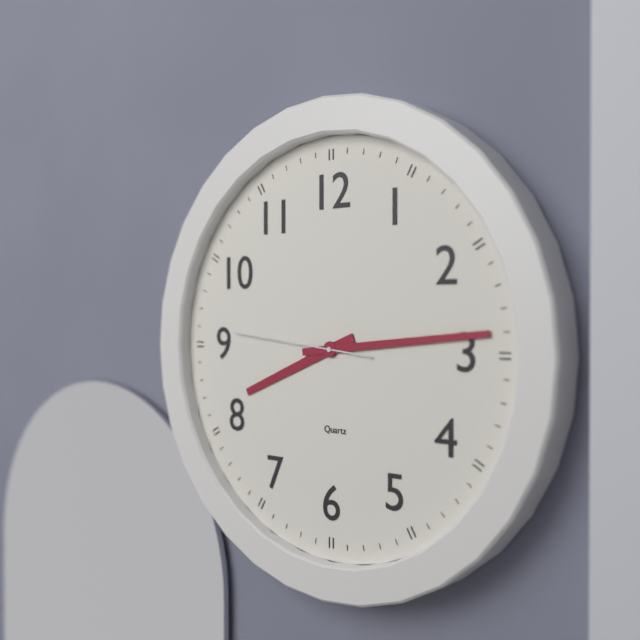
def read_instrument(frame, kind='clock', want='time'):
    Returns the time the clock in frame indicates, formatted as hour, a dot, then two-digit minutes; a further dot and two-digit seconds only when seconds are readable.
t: 8.14.46
